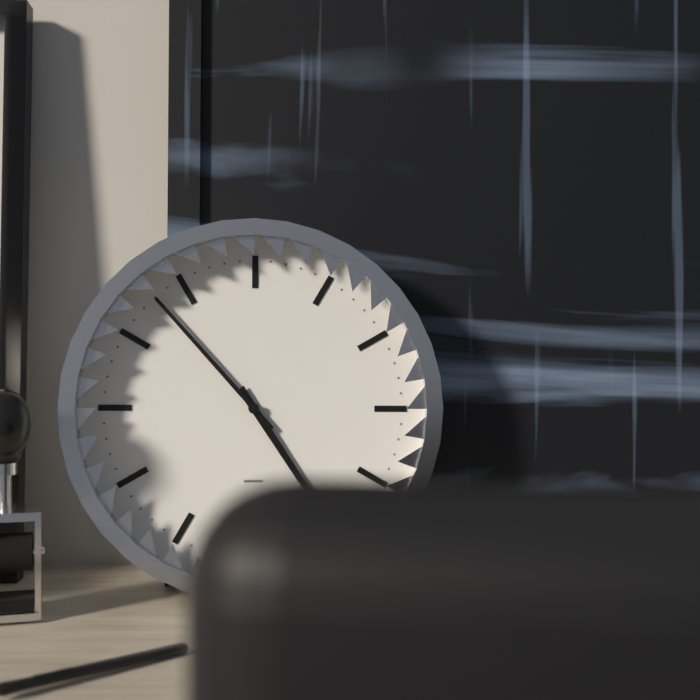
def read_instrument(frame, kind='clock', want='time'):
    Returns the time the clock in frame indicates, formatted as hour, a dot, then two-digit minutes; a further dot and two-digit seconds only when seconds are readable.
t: 4.53
